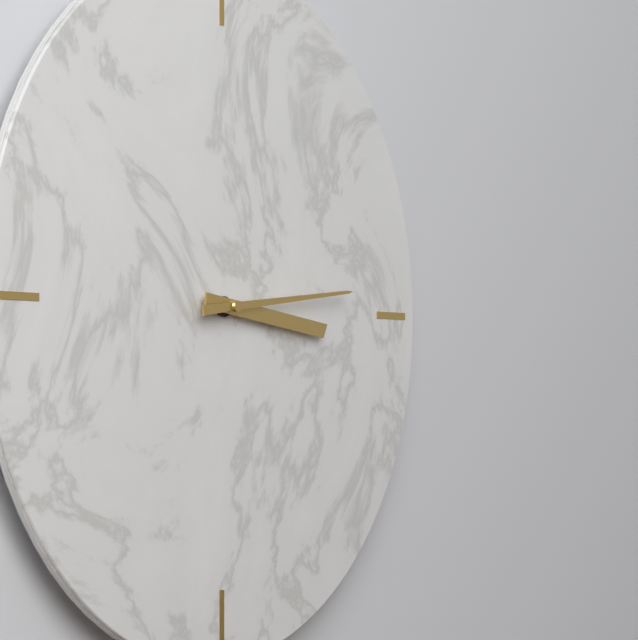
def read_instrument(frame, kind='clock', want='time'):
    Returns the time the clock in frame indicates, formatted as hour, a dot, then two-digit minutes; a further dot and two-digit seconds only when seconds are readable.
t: 3.14
